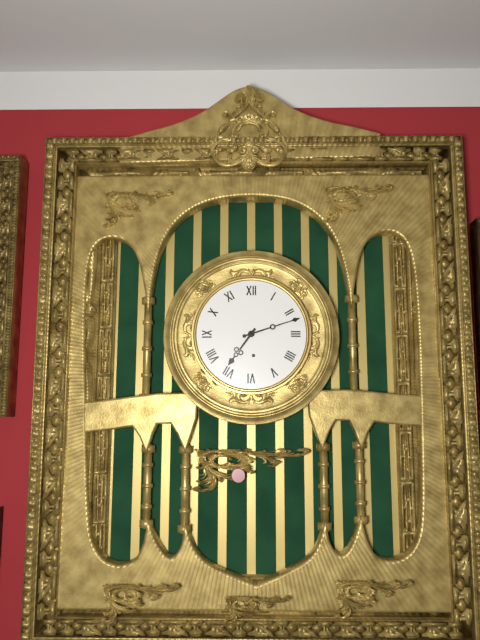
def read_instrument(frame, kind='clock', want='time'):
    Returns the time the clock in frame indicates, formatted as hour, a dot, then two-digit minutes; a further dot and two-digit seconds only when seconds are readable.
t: 7.12
